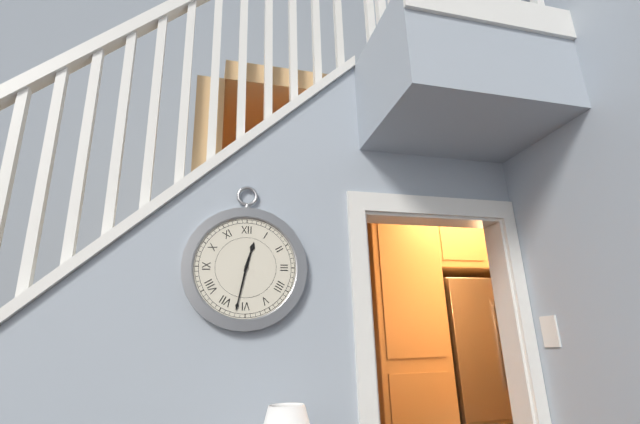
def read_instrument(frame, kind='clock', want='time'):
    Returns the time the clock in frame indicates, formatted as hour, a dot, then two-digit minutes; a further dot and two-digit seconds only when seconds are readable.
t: 12.32
